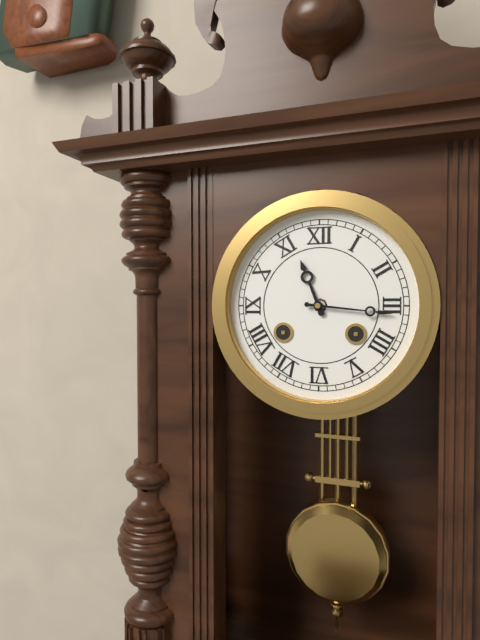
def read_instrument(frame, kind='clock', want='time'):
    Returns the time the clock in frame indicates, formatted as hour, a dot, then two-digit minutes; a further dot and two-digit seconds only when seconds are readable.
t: 11.16
